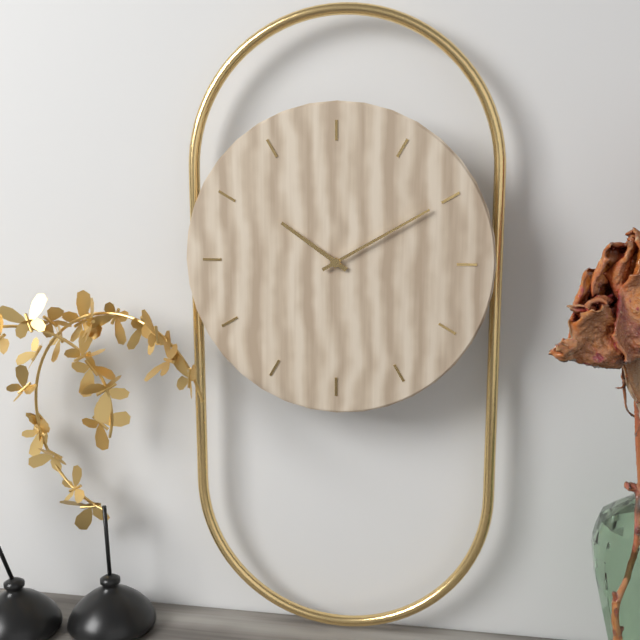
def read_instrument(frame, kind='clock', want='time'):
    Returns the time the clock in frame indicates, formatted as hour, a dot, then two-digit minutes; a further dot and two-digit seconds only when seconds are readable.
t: 10.10
